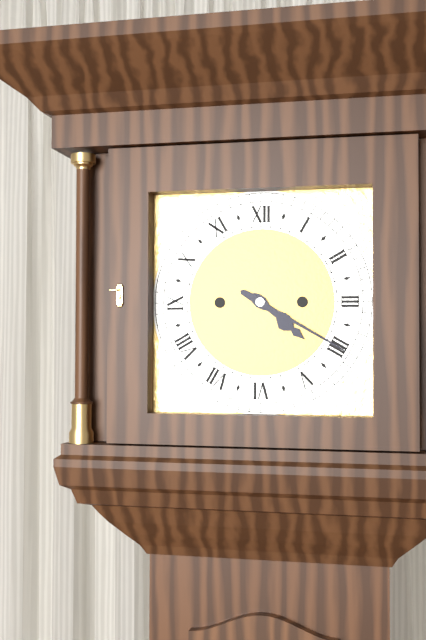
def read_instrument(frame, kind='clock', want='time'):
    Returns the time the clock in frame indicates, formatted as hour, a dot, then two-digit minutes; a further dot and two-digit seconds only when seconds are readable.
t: 4.20
